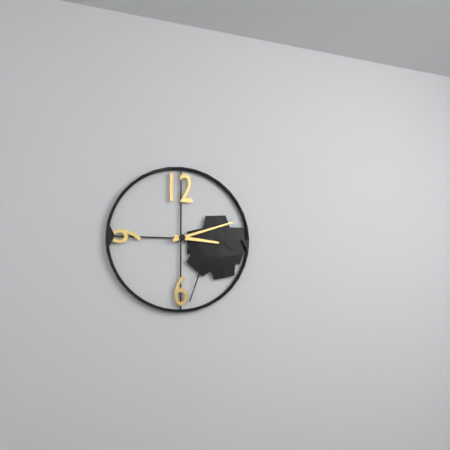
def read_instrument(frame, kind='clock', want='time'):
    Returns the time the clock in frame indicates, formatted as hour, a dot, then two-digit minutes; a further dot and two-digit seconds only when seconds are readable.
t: 3.12
